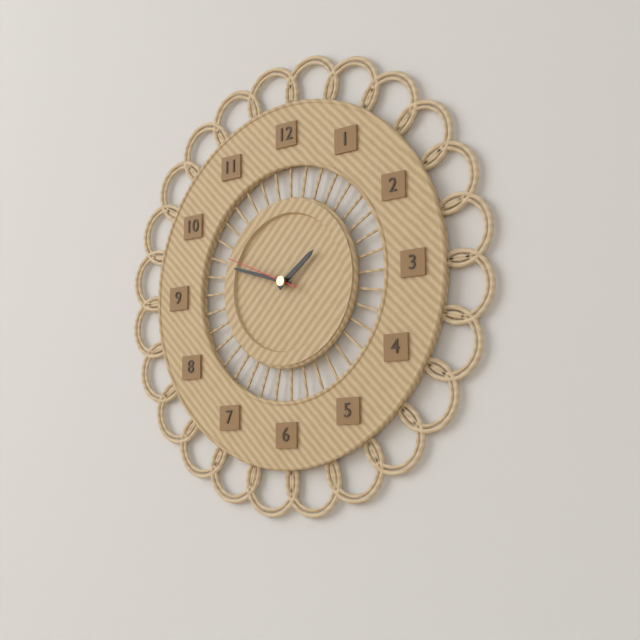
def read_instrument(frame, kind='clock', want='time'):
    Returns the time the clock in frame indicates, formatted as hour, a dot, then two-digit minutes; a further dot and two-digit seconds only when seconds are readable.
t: 1.48.49
